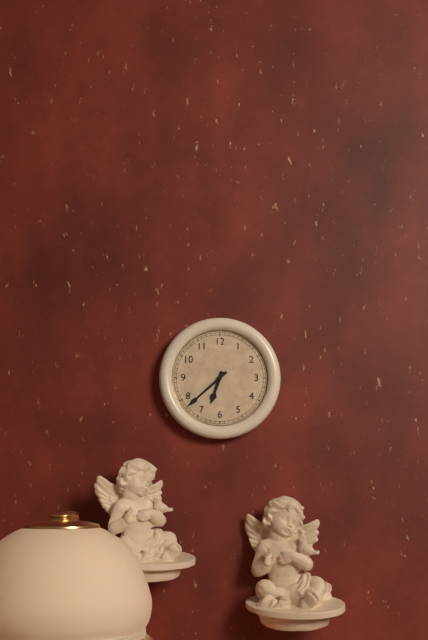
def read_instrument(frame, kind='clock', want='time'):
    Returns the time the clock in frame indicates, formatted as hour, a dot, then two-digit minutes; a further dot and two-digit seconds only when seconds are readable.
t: 6.38
